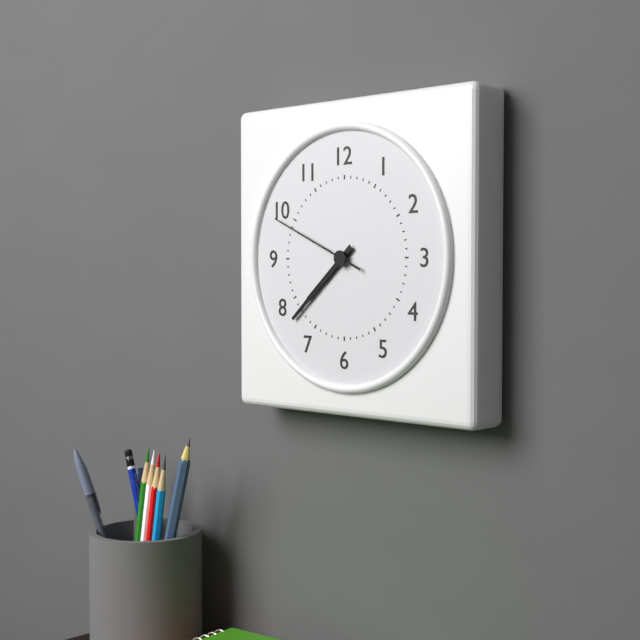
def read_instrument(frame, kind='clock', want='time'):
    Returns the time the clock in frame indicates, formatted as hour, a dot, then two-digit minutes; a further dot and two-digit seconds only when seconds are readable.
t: 7.38.49
